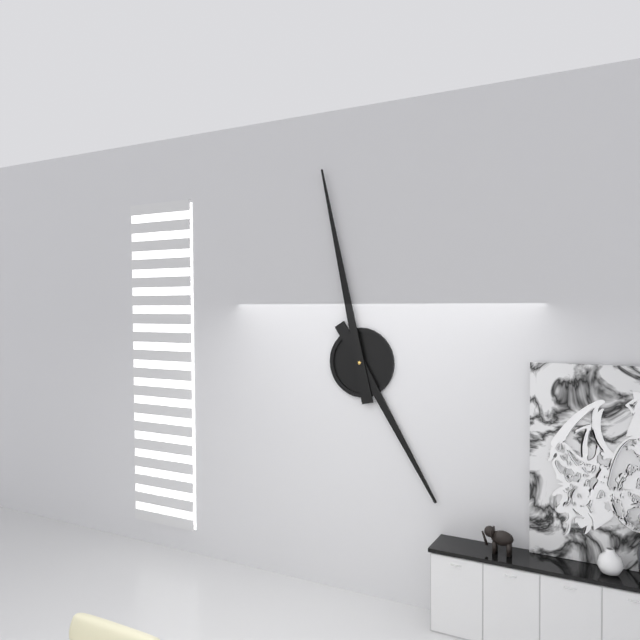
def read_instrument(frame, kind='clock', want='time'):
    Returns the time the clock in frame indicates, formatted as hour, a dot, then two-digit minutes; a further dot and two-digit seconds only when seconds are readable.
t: 4.58
